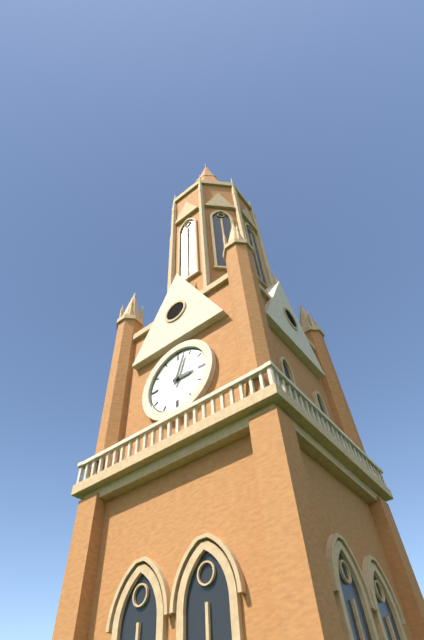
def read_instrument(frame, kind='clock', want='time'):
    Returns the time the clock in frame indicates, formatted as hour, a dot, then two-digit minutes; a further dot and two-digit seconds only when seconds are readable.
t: 3.03
